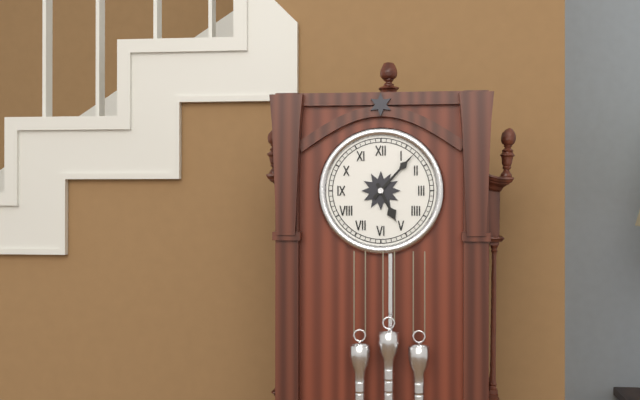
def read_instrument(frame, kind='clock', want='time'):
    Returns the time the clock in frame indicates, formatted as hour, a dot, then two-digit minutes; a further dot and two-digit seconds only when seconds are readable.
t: 5.07
